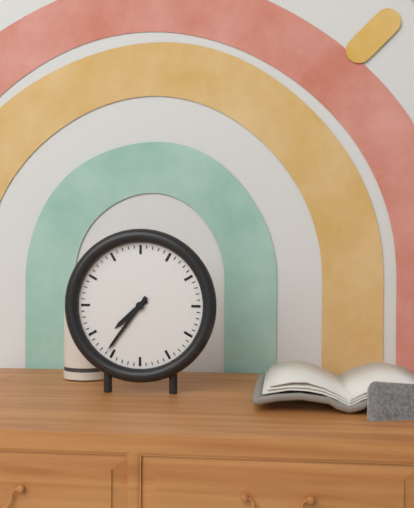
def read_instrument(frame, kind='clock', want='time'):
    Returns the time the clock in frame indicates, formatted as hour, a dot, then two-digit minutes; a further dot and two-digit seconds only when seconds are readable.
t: 7.36
